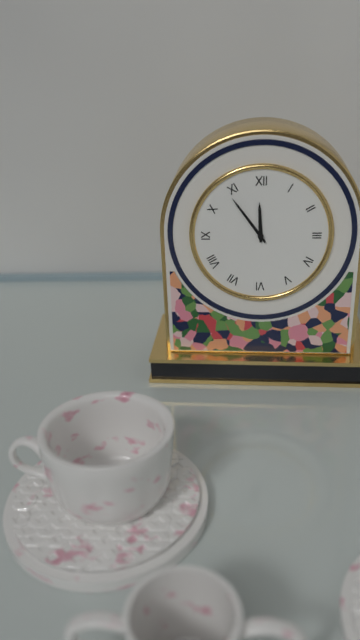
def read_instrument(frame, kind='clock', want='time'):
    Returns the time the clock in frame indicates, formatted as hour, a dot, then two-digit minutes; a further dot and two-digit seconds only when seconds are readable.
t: 11.54
